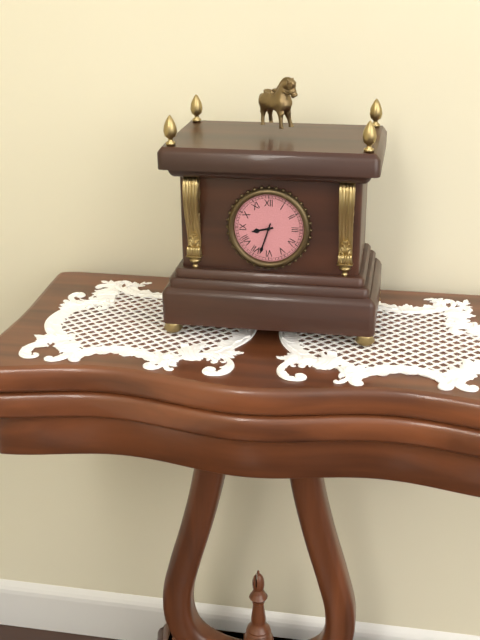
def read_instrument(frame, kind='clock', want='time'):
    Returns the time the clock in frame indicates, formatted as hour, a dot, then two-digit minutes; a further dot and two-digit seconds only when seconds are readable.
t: 8.33
